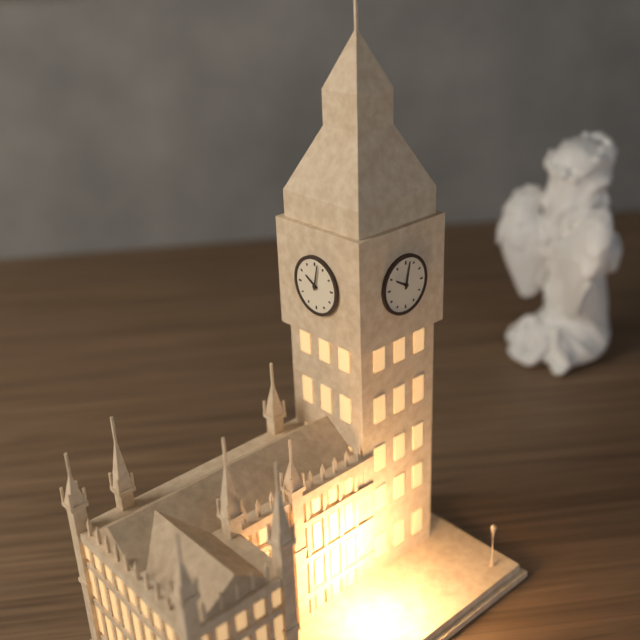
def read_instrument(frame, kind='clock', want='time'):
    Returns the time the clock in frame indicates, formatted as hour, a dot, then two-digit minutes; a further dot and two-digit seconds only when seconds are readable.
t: 10.02
